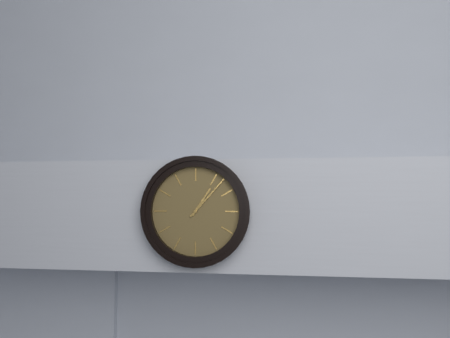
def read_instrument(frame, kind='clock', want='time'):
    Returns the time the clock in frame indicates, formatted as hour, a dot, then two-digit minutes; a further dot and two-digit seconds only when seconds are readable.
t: 1.07
